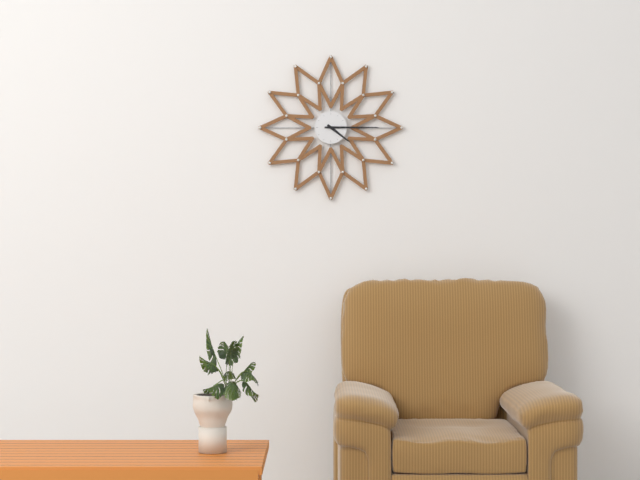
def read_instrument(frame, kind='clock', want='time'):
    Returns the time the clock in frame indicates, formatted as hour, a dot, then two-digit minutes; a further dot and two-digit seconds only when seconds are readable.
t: 4.15
